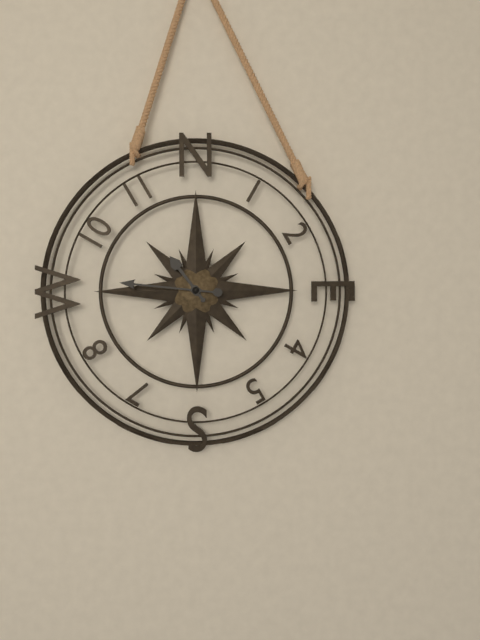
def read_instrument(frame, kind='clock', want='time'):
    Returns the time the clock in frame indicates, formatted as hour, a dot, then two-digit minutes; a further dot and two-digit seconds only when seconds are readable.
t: 10.46
